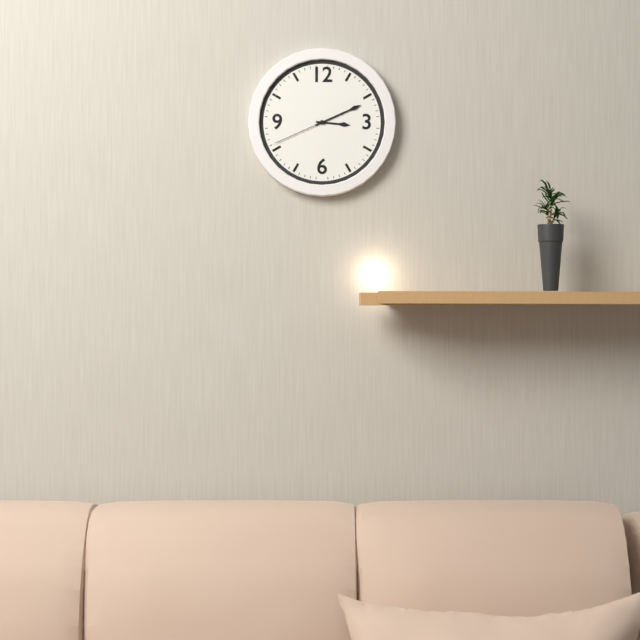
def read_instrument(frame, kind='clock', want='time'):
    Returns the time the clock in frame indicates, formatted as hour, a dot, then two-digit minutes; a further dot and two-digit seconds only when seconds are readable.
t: 3.11.41
